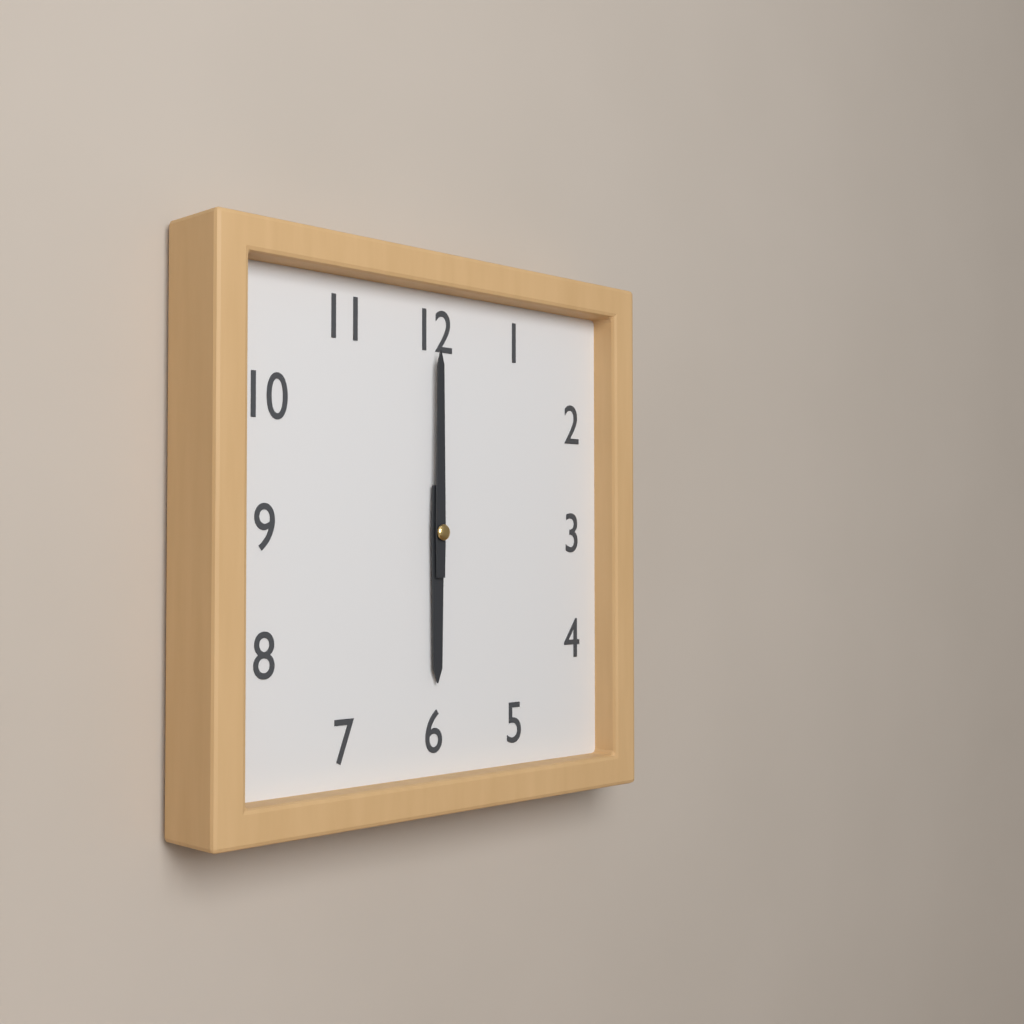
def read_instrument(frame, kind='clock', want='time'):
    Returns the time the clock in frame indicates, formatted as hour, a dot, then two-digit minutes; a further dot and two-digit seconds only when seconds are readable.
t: 6.00
